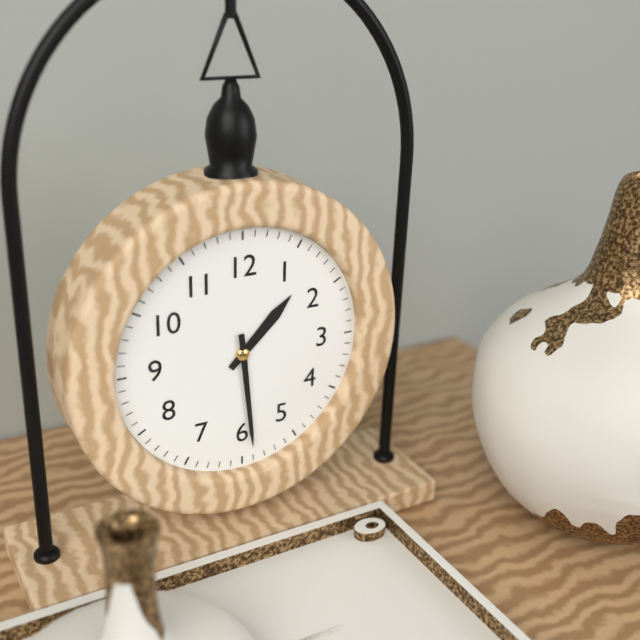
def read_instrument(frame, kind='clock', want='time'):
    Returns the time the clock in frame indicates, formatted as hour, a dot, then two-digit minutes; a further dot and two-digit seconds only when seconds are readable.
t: 1.29
